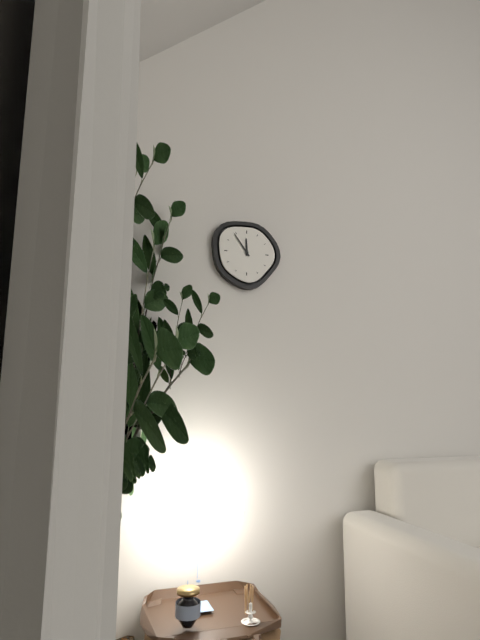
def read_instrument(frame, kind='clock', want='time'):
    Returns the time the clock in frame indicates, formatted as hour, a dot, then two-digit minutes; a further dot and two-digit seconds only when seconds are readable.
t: 11.54
